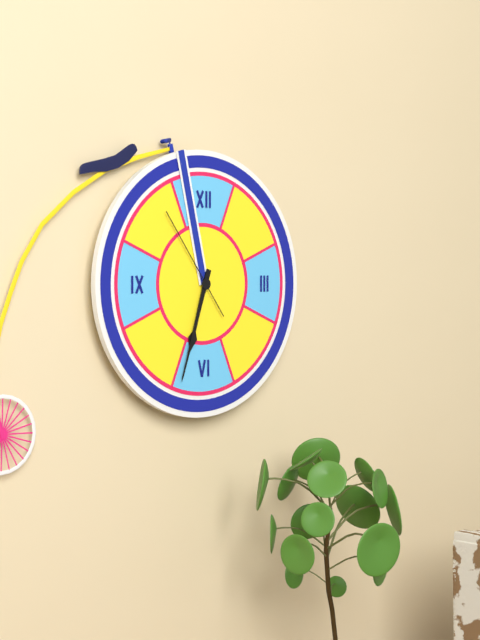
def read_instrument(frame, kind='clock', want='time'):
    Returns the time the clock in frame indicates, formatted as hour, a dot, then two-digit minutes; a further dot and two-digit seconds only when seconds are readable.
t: 6.33.54
